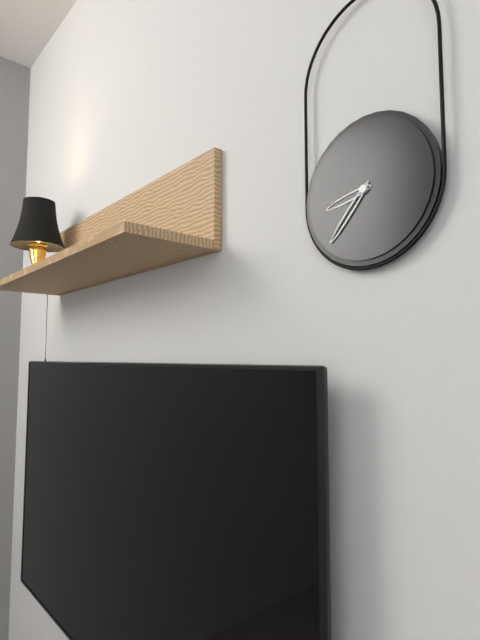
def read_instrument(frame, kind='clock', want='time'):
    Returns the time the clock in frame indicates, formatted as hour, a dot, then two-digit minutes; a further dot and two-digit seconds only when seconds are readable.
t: 8.37
